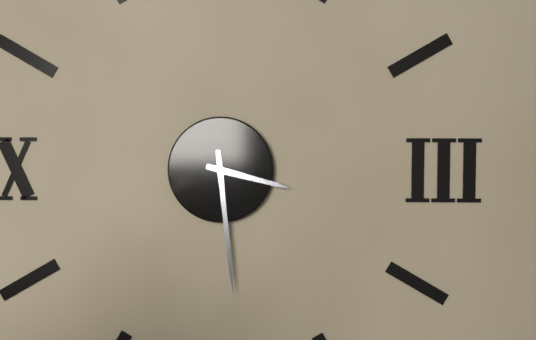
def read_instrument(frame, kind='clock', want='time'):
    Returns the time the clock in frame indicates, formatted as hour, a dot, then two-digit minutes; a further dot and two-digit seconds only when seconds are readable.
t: 3.29
